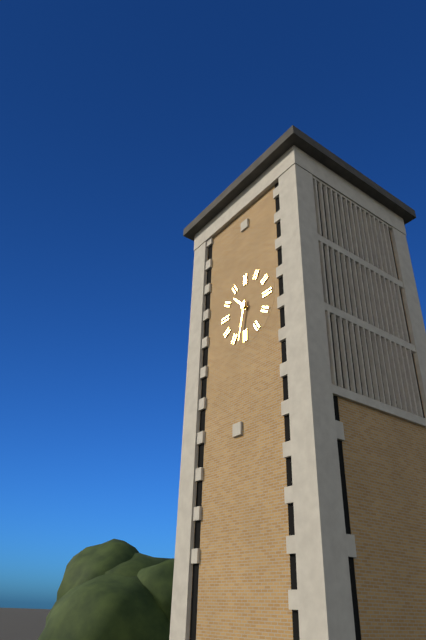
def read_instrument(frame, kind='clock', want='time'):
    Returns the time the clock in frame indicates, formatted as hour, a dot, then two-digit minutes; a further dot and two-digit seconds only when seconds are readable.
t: 10.32
